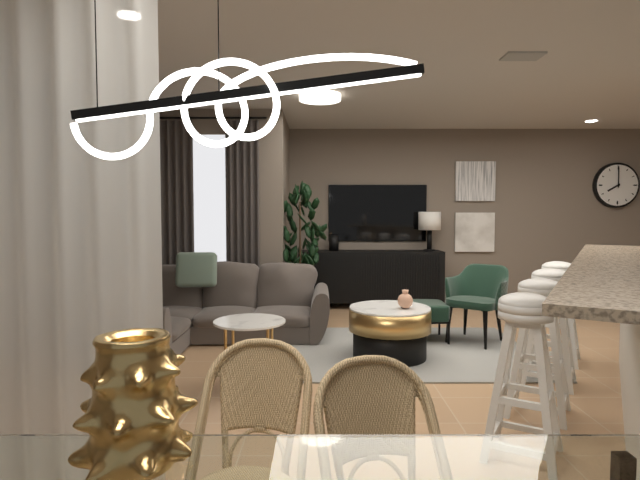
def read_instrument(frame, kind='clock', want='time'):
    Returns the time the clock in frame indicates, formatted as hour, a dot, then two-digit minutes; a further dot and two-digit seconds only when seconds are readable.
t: 8.00
